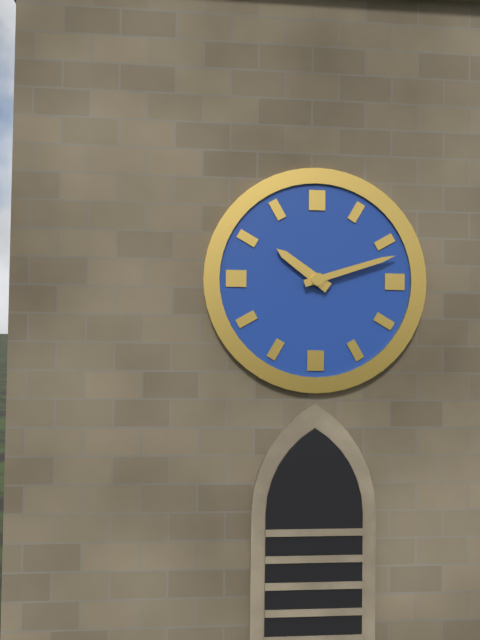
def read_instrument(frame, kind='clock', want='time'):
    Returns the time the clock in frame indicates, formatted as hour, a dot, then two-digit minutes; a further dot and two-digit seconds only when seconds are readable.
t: 10.12
